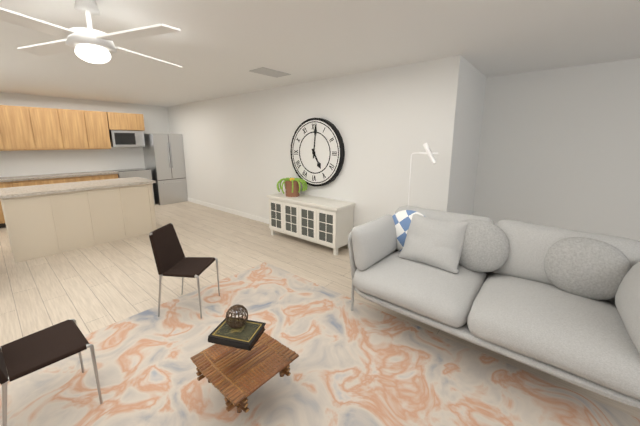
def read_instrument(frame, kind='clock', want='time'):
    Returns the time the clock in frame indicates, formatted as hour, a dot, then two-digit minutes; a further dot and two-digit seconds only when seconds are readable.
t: 5.01
